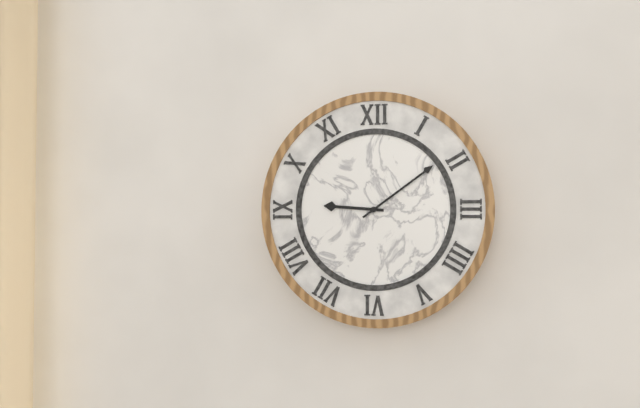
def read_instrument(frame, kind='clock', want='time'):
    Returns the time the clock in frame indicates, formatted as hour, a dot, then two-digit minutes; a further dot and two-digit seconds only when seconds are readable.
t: 9.09
